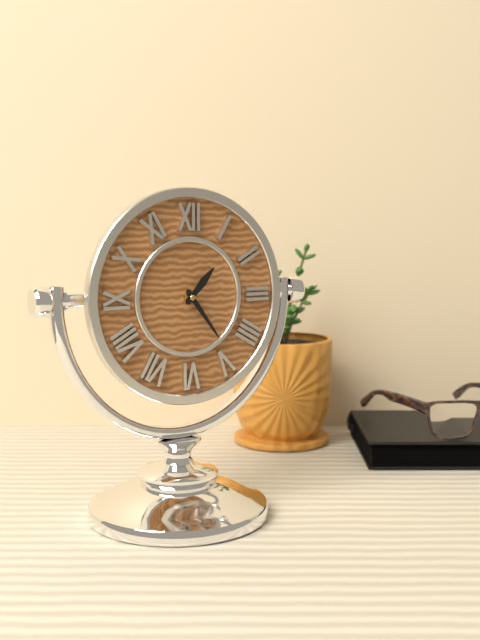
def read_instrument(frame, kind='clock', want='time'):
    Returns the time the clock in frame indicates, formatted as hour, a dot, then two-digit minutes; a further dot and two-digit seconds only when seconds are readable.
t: 1.24
